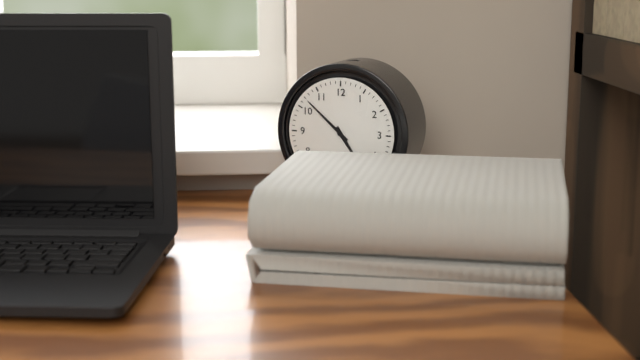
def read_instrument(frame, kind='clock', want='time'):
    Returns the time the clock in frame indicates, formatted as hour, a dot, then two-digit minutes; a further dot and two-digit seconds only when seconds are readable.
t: 4.52
